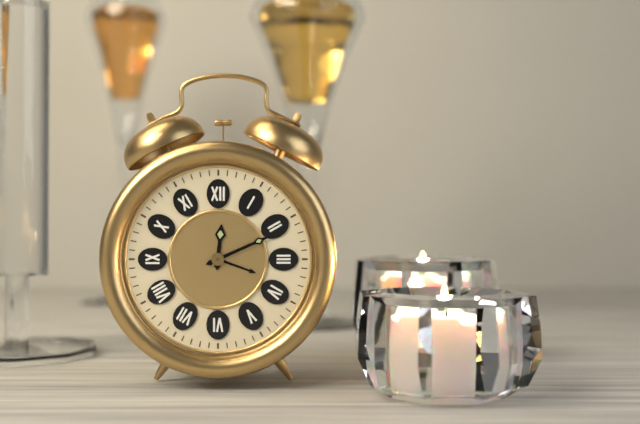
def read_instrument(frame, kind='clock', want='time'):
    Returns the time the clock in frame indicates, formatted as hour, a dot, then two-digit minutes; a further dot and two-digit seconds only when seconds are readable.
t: 12.11
